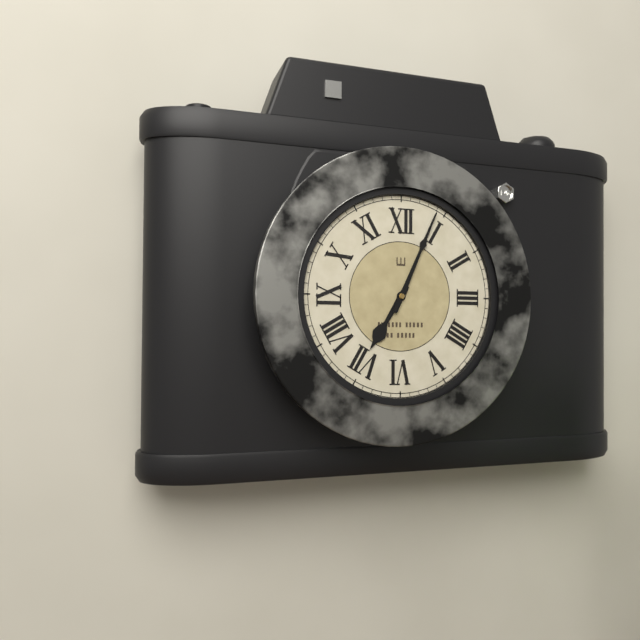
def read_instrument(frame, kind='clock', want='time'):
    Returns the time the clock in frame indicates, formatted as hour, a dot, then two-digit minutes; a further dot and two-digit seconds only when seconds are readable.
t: 7.04
